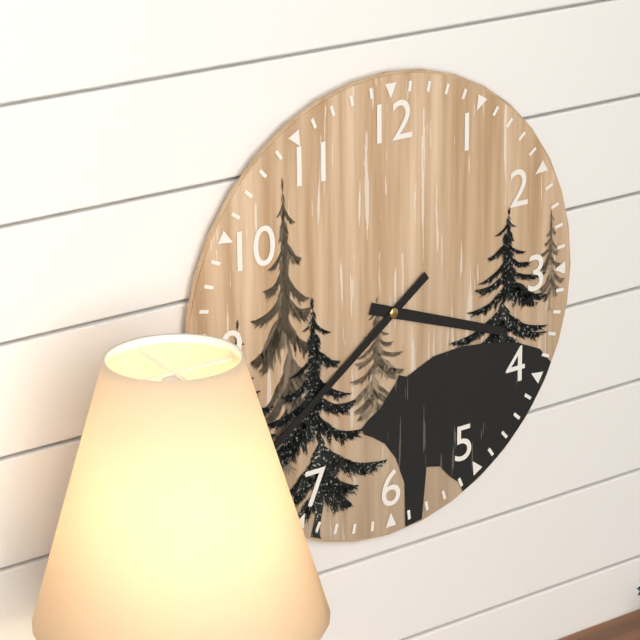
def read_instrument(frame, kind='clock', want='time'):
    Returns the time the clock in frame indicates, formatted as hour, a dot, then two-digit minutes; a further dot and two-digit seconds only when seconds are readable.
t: 3.39
